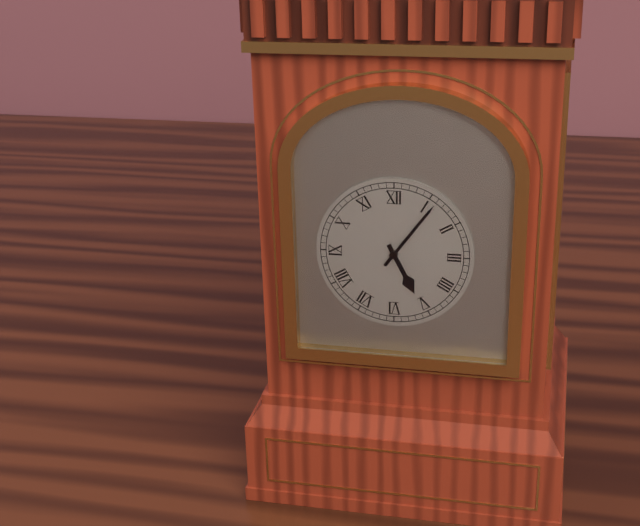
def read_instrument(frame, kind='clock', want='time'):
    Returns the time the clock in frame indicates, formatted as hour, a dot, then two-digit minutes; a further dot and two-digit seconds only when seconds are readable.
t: 5.06
